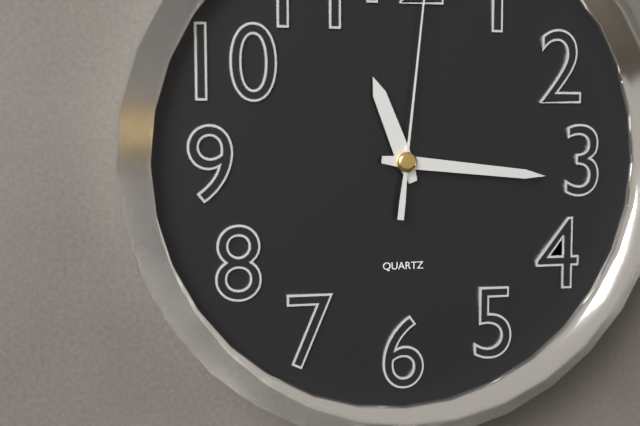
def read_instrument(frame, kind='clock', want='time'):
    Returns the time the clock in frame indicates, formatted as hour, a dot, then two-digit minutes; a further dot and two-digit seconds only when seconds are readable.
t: 11.16
